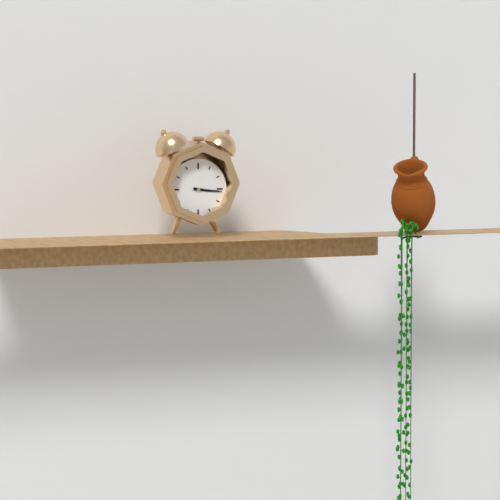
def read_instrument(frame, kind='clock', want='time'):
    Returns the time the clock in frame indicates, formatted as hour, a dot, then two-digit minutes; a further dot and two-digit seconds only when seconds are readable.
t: 3.16
